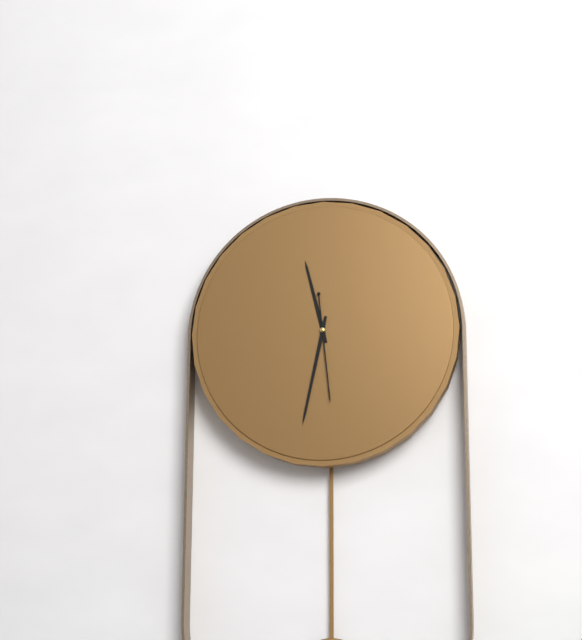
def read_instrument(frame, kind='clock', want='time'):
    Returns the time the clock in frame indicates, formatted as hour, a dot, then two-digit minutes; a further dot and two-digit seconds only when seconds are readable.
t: 11.32.29
